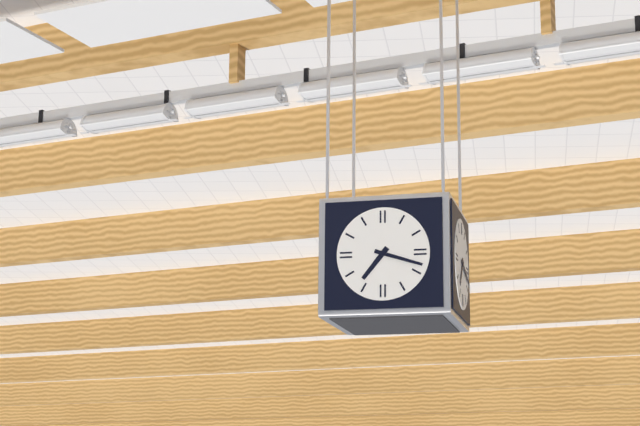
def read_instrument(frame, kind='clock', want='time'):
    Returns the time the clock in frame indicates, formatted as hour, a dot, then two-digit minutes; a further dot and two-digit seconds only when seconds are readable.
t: 7.18
